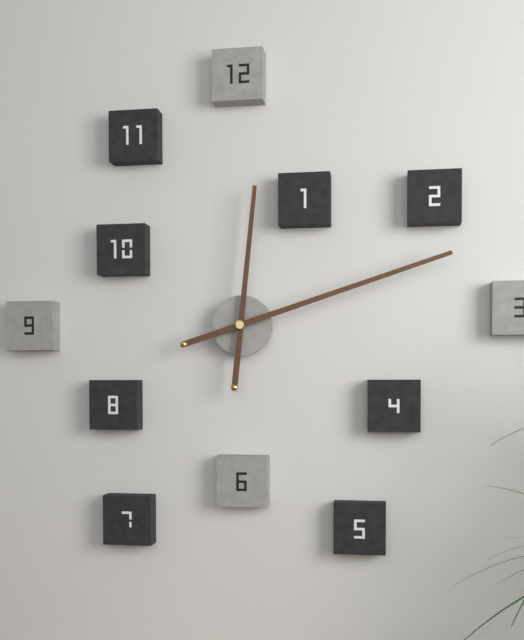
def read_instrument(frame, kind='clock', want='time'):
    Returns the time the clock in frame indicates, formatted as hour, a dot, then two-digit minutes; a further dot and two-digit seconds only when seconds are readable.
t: 12.12
